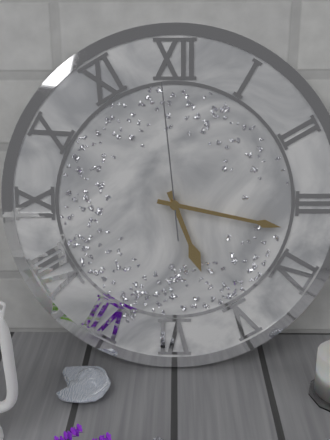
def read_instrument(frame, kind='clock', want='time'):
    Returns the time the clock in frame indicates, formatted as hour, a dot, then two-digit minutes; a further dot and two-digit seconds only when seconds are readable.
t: 5.17.59
